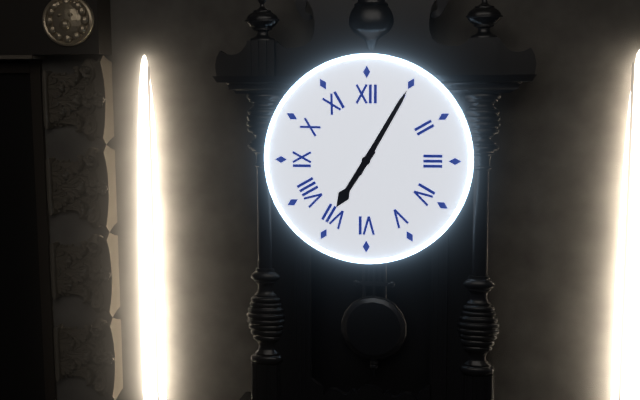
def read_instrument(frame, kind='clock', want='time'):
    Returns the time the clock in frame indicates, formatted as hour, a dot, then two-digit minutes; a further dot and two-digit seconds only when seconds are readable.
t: 7.05
